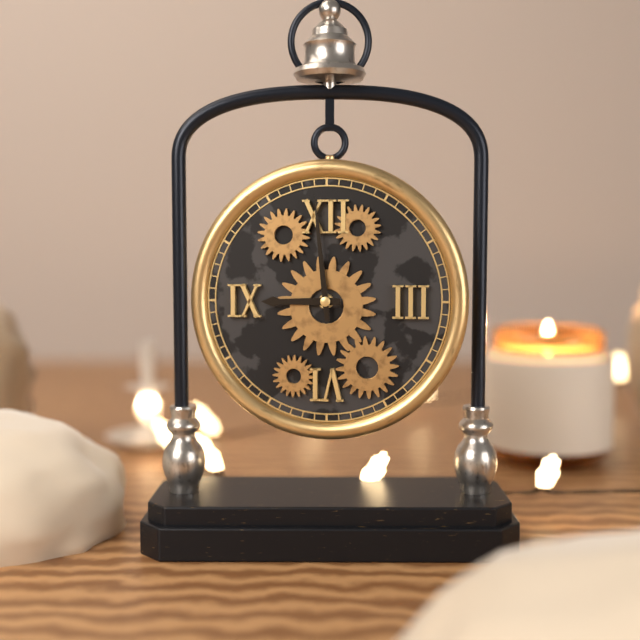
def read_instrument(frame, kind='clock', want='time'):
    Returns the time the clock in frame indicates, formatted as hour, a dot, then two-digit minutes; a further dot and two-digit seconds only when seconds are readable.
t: 8.59
